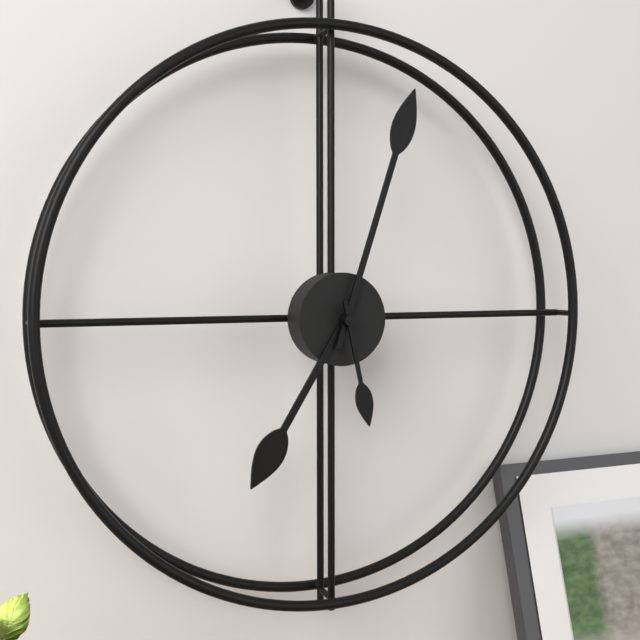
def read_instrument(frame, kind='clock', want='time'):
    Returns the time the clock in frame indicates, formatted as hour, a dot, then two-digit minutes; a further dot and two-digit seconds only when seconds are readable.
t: 7.03.28
